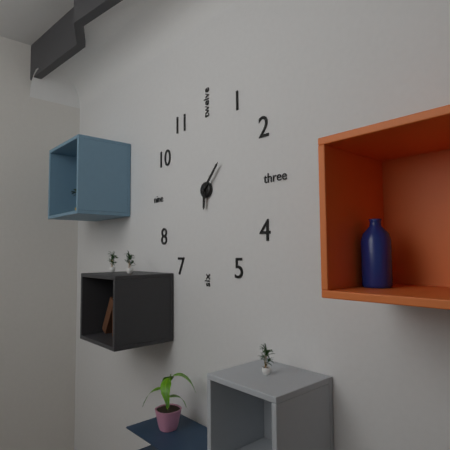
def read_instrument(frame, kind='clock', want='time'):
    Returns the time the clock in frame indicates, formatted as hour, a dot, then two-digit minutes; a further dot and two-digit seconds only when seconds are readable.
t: 6.07
